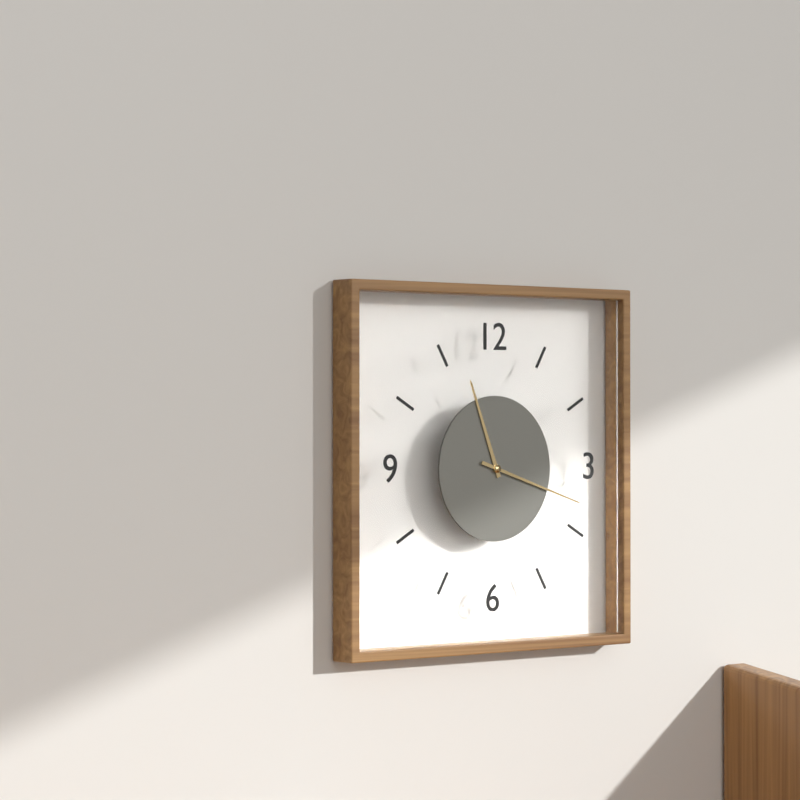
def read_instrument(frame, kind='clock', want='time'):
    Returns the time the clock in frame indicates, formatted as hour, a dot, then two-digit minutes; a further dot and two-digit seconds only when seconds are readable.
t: 11.18
